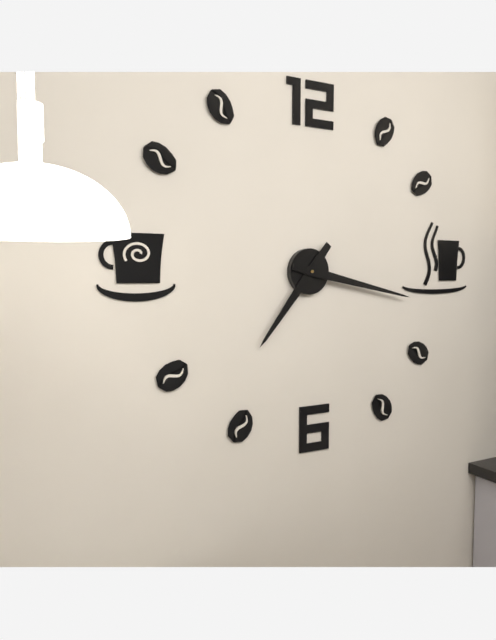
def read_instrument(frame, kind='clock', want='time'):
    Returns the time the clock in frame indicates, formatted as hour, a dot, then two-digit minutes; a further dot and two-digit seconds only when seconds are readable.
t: 7.17
